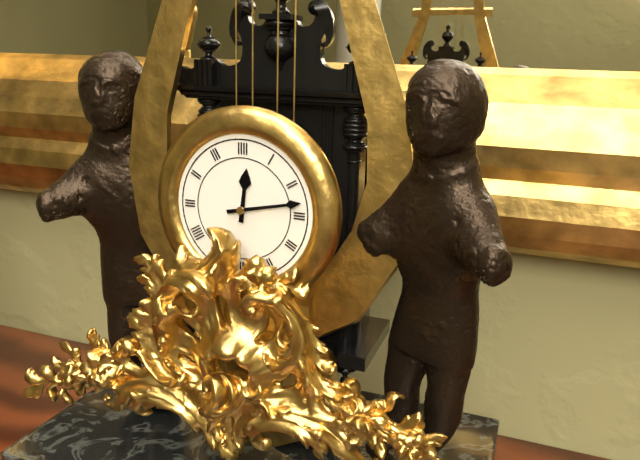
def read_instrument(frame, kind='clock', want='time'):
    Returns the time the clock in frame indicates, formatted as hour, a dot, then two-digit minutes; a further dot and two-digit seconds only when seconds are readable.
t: 12.13
